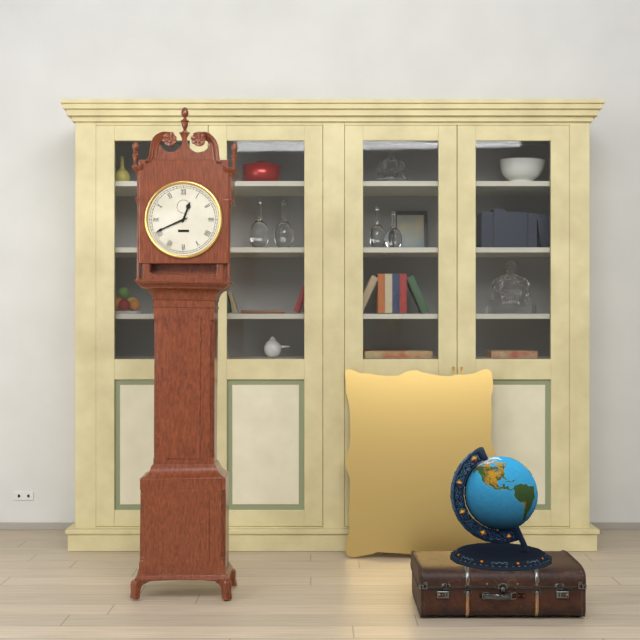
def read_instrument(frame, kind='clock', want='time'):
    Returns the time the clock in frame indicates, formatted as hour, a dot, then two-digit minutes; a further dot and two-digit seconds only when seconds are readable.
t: 12.41
